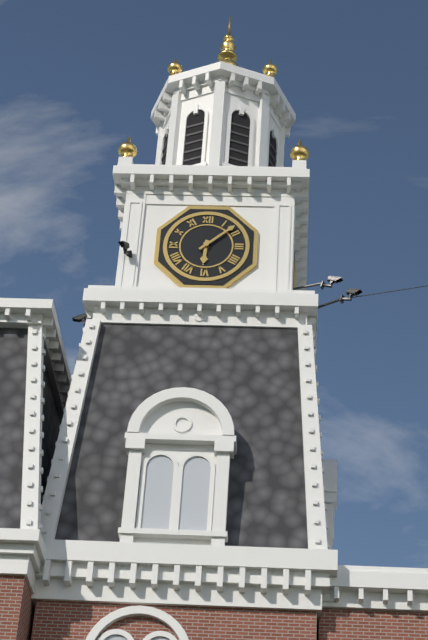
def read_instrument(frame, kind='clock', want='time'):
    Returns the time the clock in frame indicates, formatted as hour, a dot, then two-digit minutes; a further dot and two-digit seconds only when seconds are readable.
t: 6.08
